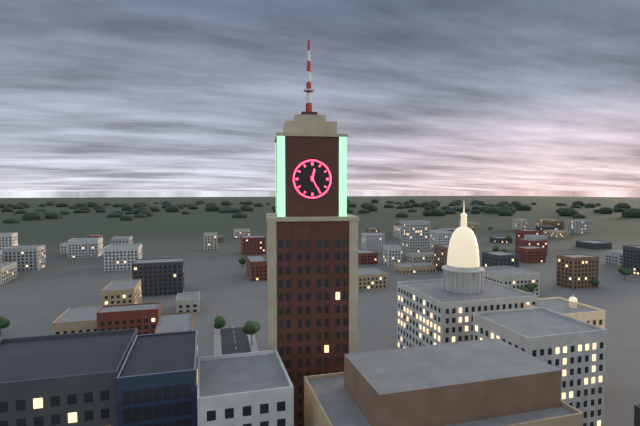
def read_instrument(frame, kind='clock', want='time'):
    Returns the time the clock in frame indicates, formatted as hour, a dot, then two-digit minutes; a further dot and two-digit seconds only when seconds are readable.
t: 12.25
